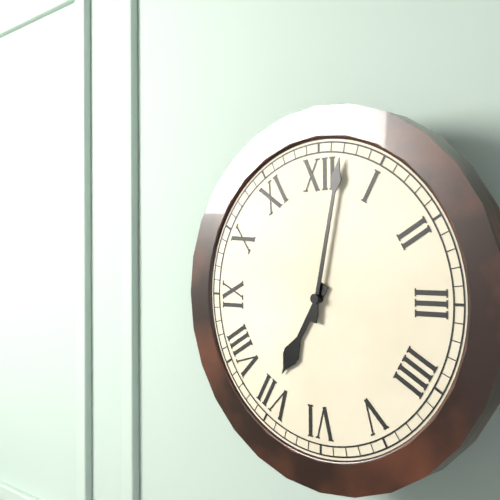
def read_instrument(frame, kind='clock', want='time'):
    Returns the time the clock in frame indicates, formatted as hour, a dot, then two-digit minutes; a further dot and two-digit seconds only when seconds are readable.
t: 7.02
